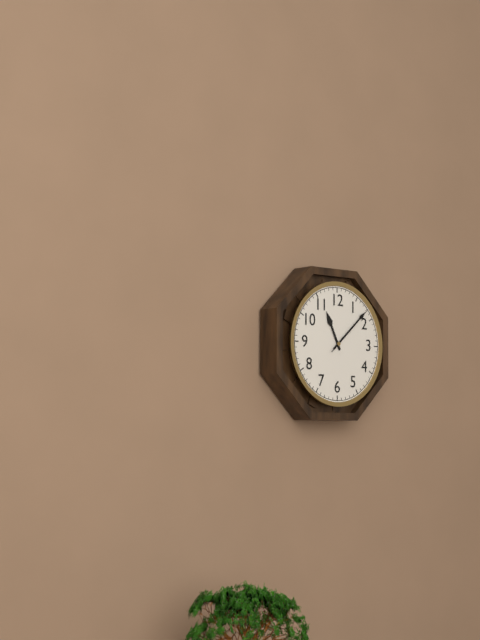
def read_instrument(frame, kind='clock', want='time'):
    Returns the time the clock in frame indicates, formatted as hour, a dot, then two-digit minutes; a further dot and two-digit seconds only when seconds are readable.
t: 11.08.08
